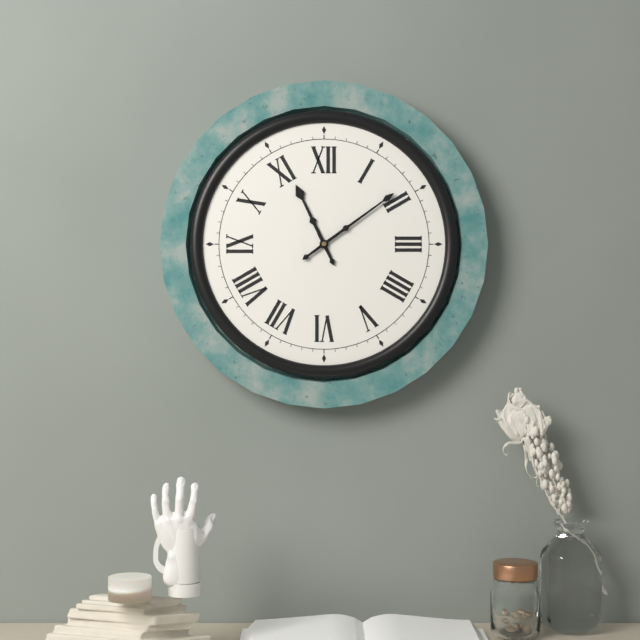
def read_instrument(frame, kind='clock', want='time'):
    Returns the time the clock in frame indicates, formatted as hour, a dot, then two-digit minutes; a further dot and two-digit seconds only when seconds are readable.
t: 11.09
